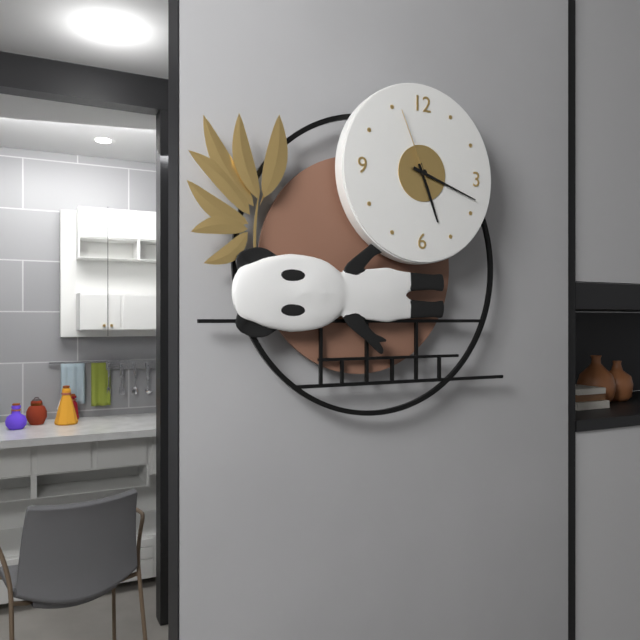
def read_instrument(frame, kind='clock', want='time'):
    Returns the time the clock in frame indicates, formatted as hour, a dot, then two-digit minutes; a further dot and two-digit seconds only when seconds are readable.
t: 5.18.56
